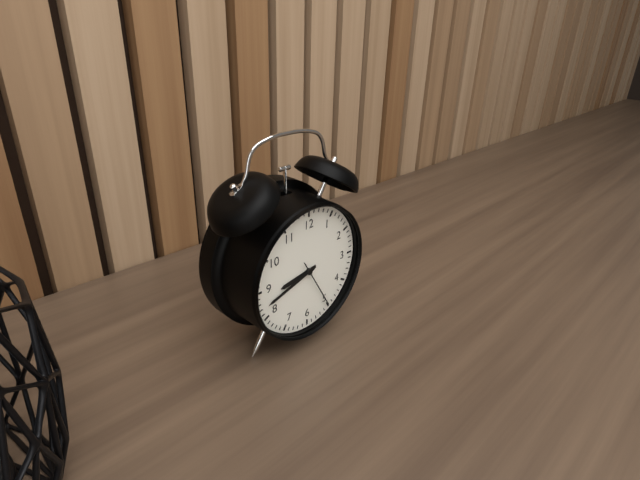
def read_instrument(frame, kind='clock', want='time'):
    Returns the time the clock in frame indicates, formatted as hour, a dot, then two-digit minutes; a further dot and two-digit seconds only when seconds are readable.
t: 8.42.25
